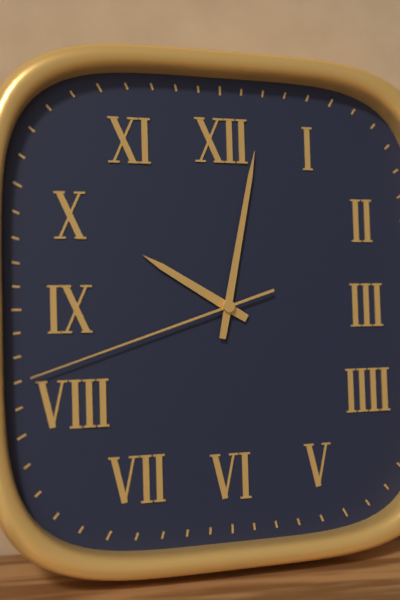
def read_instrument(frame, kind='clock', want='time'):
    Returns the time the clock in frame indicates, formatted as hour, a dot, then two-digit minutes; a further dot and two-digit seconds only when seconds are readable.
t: 10.02.42
